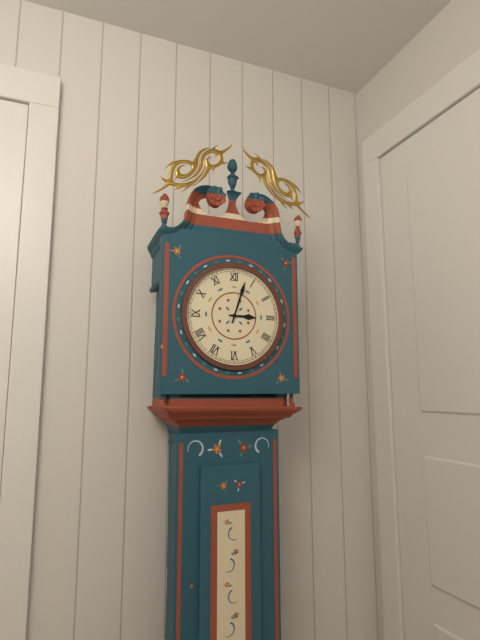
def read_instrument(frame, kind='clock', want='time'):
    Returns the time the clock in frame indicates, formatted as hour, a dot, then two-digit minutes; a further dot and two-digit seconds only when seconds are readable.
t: 3.03
